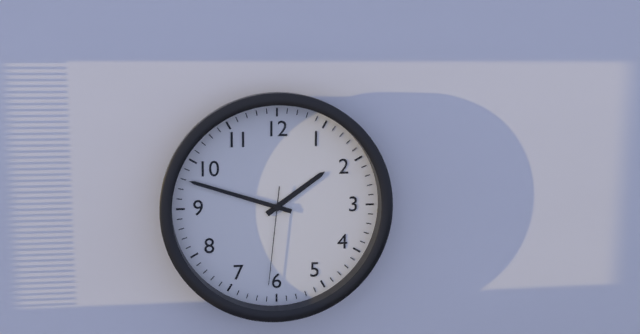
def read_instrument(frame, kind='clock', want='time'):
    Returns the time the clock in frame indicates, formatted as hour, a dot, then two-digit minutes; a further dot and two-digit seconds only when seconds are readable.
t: 1.48.31
